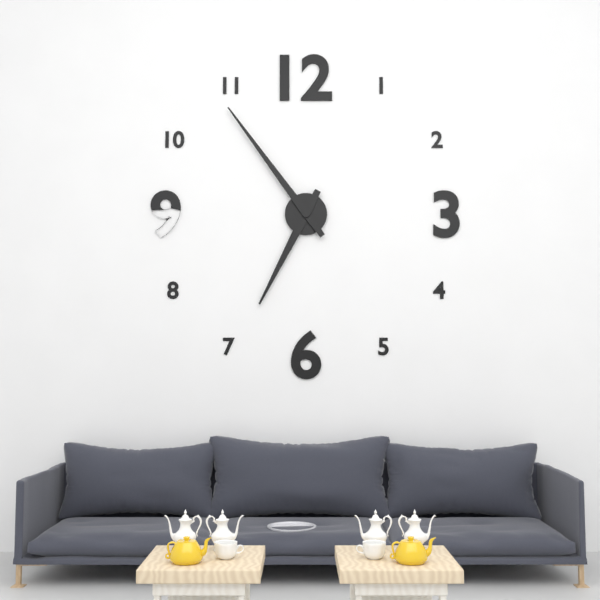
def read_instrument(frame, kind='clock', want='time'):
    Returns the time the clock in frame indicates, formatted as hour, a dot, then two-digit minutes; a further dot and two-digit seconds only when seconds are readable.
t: 6.54
